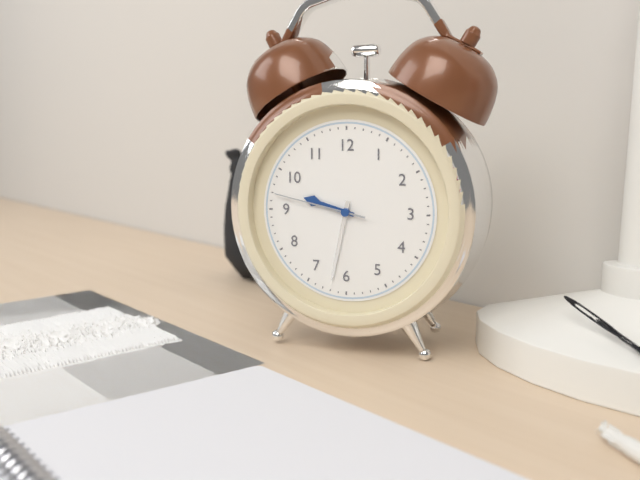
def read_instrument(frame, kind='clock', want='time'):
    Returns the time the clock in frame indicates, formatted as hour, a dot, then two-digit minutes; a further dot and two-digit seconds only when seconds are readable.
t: 9.32.47
